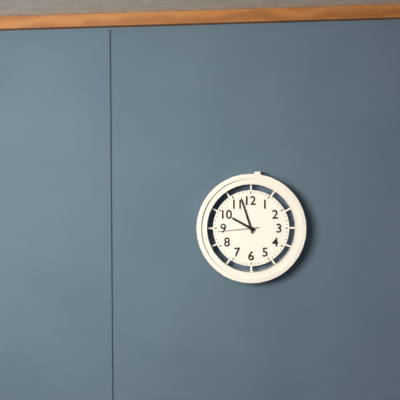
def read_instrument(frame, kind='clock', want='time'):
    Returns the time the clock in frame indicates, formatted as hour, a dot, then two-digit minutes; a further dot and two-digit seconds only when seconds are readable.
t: 9.57
